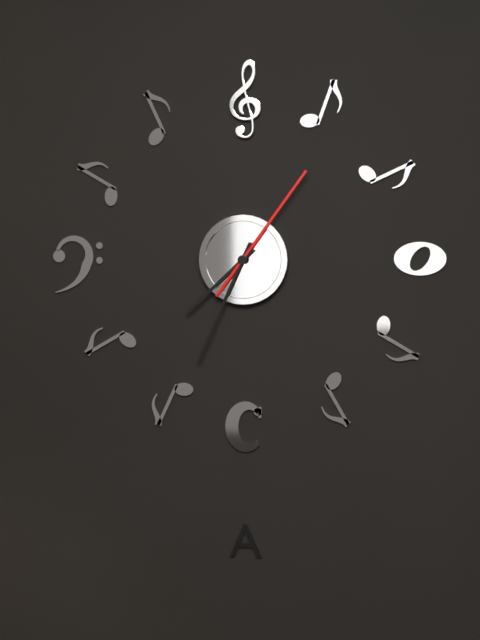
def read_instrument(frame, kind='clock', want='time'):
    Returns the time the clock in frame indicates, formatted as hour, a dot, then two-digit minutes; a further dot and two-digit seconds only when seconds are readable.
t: 7.34.06
